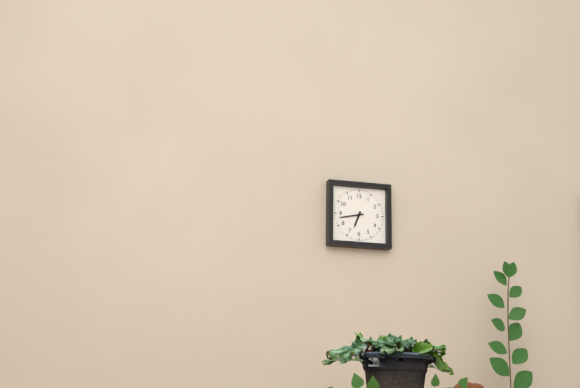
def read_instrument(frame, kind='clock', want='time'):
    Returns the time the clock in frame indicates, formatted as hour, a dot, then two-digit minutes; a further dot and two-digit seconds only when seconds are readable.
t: 6.43
